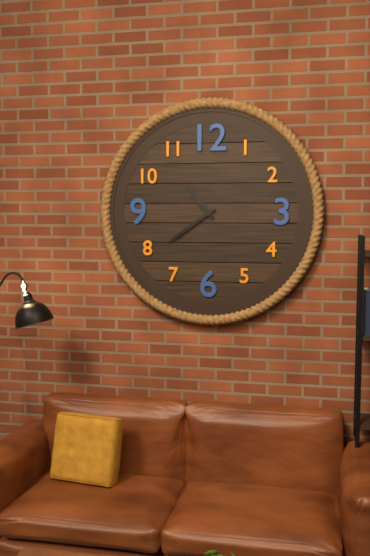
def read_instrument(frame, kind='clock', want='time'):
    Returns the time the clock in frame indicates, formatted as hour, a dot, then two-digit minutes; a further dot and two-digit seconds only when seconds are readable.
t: 10.39
